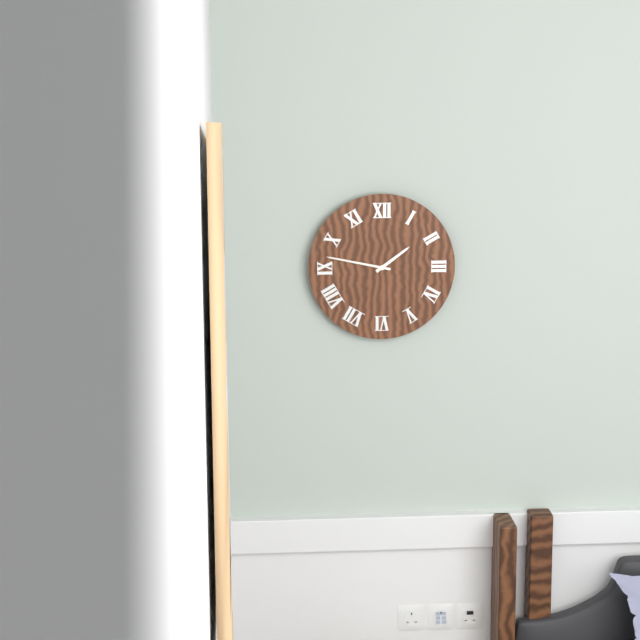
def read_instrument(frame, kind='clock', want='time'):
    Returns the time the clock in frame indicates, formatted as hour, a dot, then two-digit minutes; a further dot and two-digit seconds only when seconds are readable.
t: 1.47
